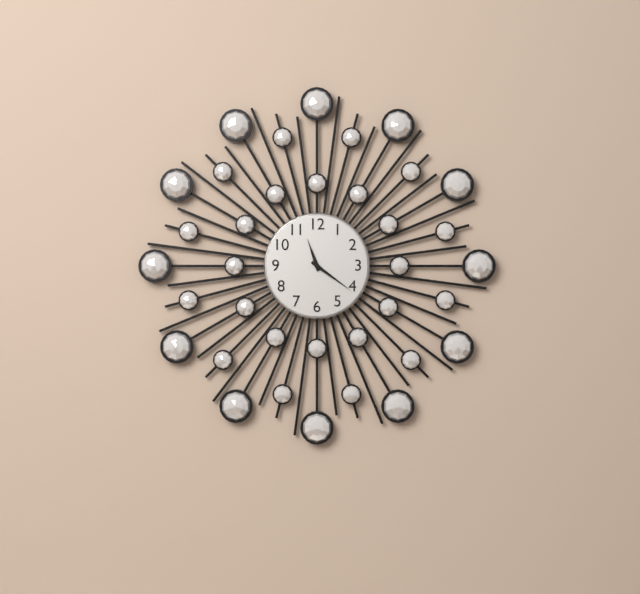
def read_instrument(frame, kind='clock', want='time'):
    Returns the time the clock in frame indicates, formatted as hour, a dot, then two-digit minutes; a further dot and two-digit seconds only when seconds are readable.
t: 11.21
